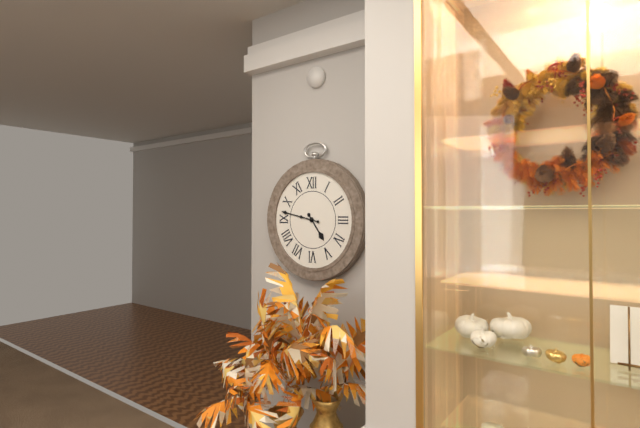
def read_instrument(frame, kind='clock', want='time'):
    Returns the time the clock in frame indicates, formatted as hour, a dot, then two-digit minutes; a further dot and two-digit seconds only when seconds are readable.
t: 4.47
